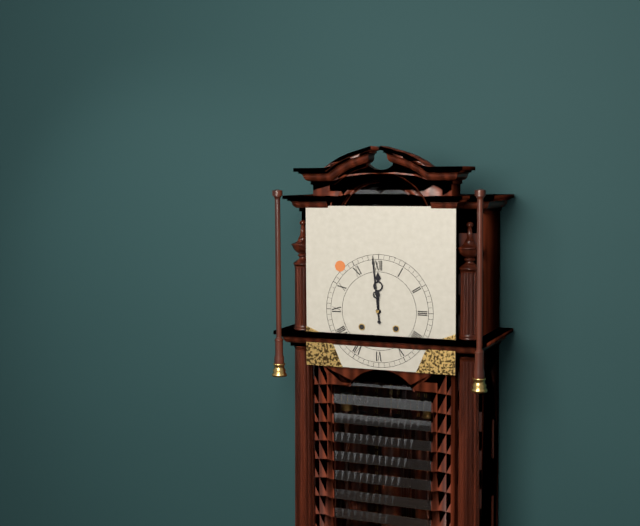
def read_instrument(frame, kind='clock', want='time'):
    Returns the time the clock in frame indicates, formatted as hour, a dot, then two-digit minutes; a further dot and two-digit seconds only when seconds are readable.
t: 11.59
